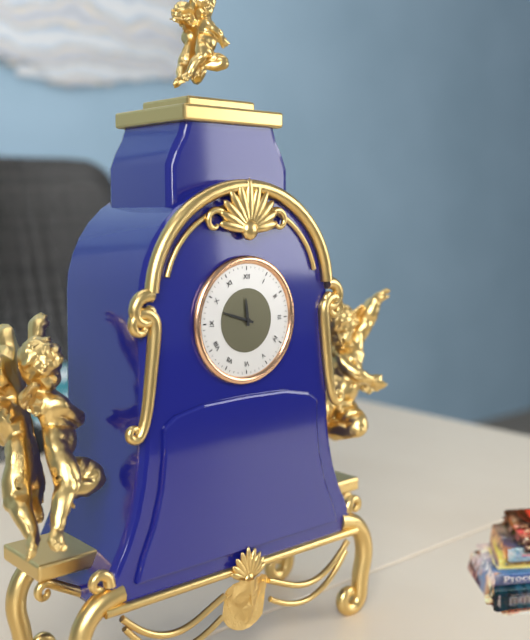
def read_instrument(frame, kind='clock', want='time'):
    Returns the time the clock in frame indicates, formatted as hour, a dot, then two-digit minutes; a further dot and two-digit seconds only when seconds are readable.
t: 11.48
